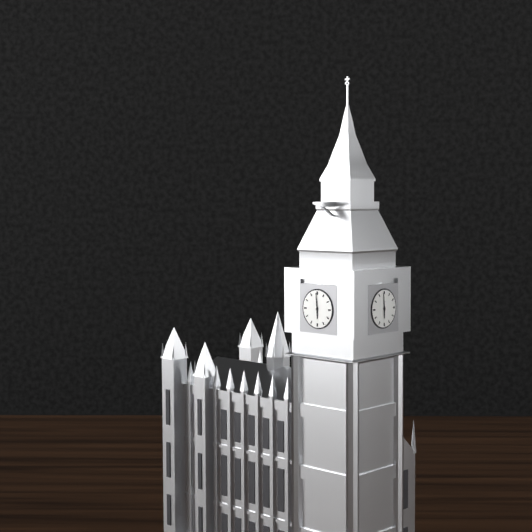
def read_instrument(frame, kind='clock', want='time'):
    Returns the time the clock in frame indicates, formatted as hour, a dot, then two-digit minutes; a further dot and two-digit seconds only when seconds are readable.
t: 5.59
